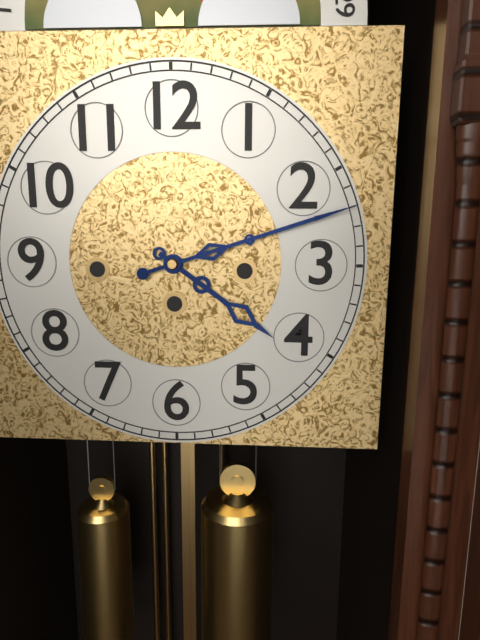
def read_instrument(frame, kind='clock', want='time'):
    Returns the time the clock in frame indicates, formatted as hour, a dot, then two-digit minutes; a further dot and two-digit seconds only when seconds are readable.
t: 4.12
